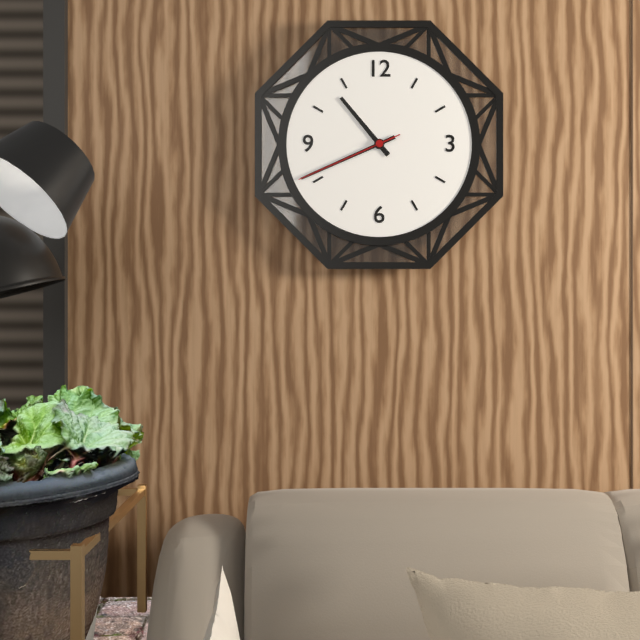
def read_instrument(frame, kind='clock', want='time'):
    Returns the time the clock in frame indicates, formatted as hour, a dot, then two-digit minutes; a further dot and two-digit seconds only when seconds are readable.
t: 10.41.41
